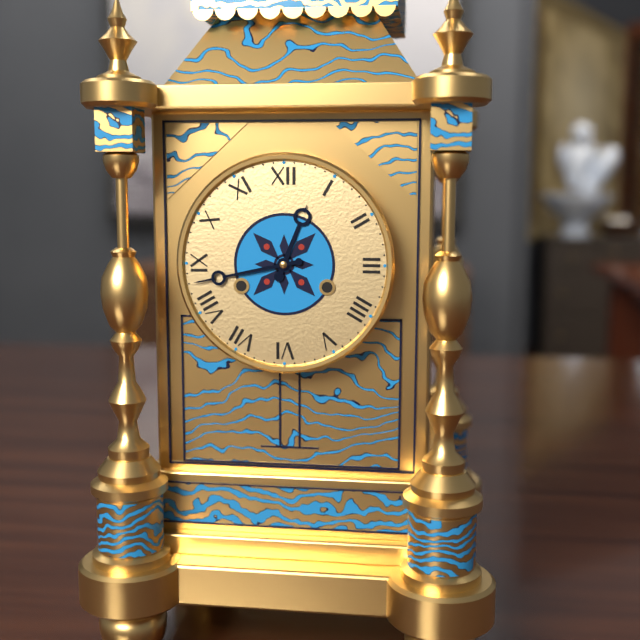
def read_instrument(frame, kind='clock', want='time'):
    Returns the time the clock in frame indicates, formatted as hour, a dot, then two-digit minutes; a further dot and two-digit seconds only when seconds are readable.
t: 12.43
